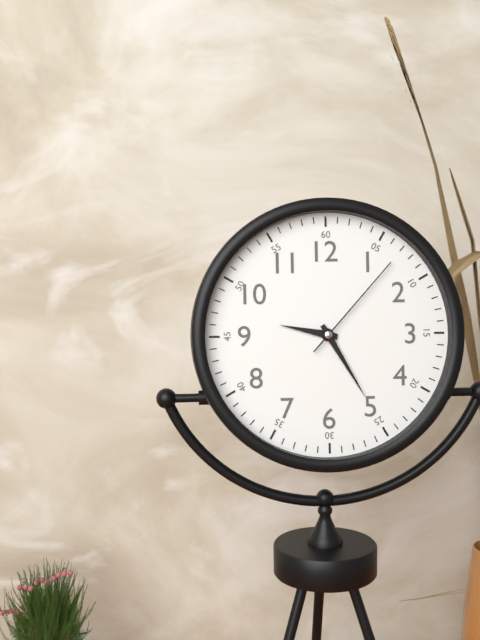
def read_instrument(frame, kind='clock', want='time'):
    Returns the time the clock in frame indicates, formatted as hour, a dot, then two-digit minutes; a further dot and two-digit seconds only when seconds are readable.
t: 9.25.07
